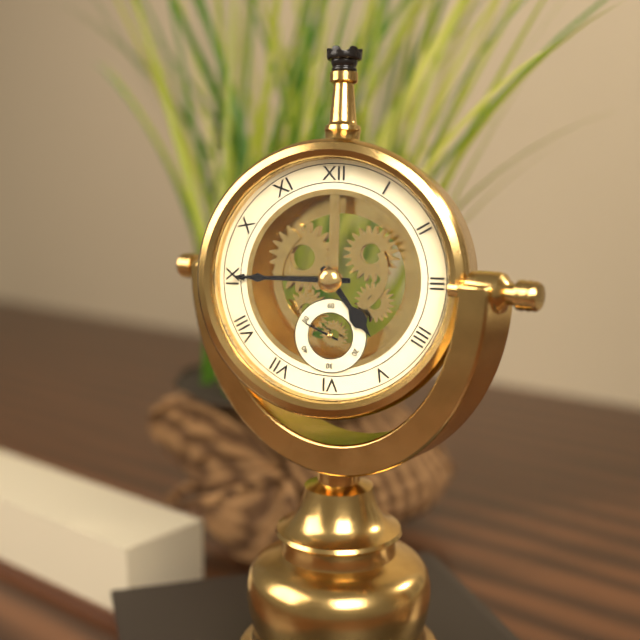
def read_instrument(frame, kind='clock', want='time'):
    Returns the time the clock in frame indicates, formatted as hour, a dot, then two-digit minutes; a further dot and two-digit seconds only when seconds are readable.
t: 4.45
